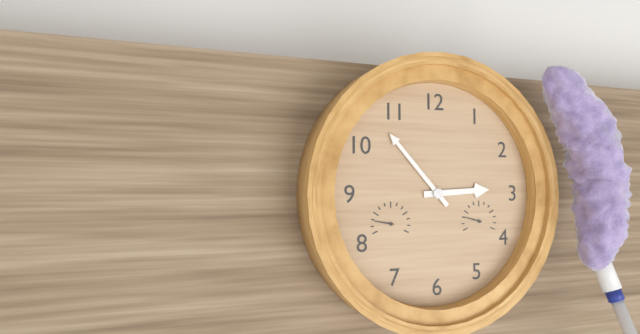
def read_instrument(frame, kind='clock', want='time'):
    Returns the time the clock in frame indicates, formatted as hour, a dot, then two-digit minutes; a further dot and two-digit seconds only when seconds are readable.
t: 2.53
